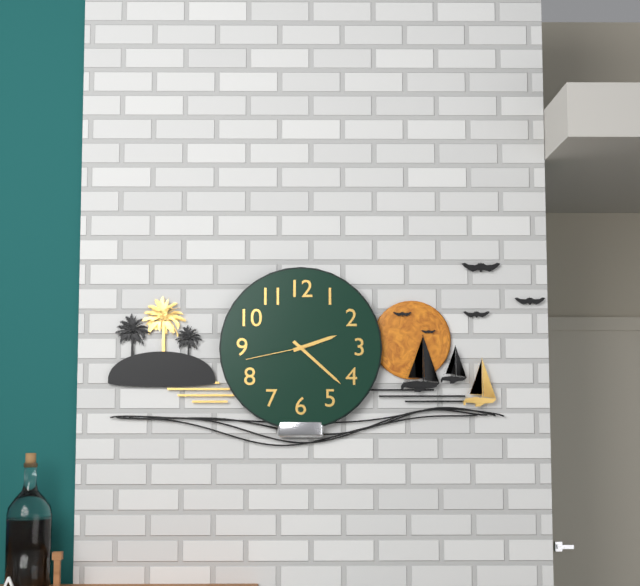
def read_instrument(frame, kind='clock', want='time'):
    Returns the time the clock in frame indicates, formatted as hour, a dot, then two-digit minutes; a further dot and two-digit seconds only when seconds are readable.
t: 2.22.43
